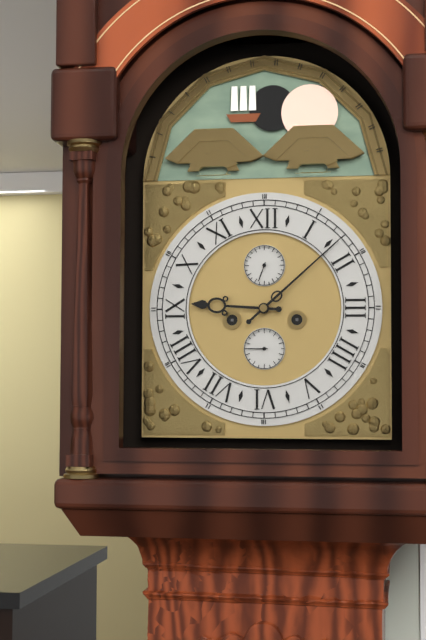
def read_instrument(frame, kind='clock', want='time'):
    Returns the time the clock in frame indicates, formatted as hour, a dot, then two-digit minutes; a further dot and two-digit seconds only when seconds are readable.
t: 9.08
